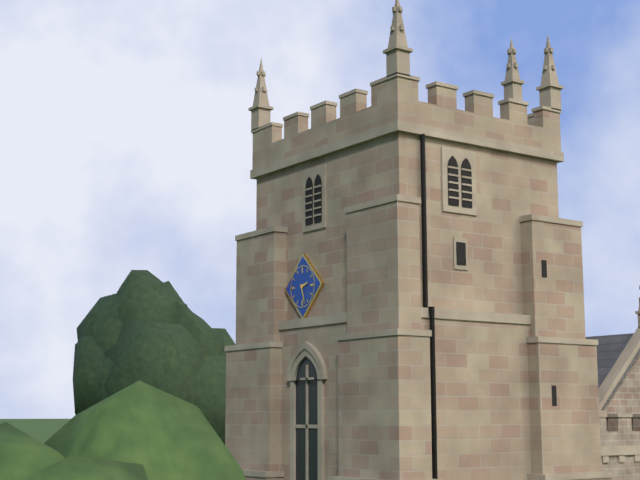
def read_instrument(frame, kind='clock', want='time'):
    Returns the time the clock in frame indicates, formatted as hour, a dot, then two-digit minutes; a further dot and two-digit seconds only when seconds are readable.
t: 2.27
